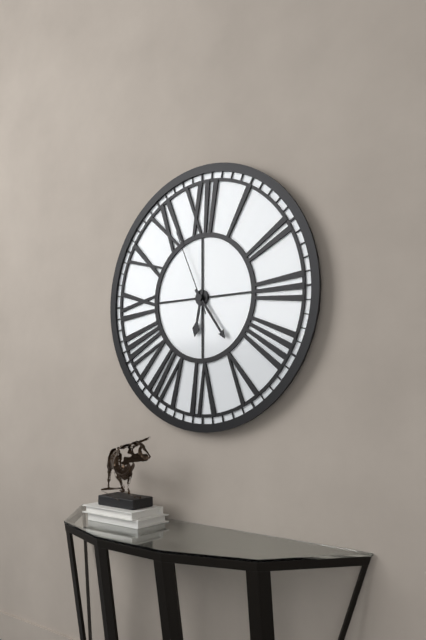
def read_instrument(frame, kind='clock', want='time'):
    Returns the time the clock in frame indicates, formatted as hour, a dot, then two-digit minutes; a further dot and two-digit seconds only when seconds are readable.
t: 6.24.56
